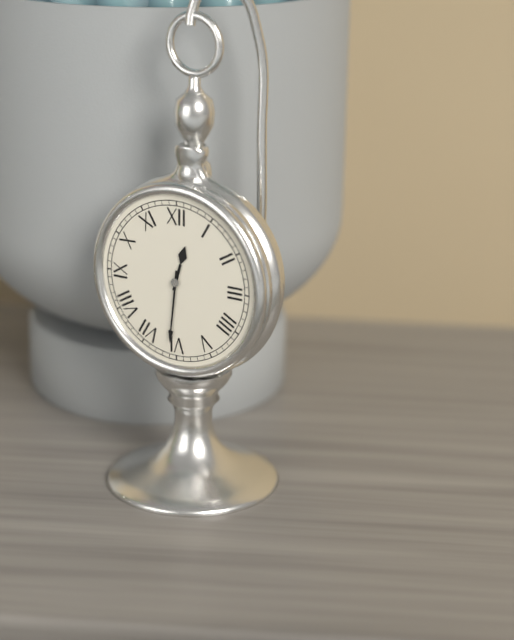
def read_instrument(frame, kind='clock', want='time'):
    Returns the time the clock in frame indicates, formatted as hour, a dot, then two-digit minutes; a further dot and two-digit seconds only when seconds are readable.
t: 12.31
